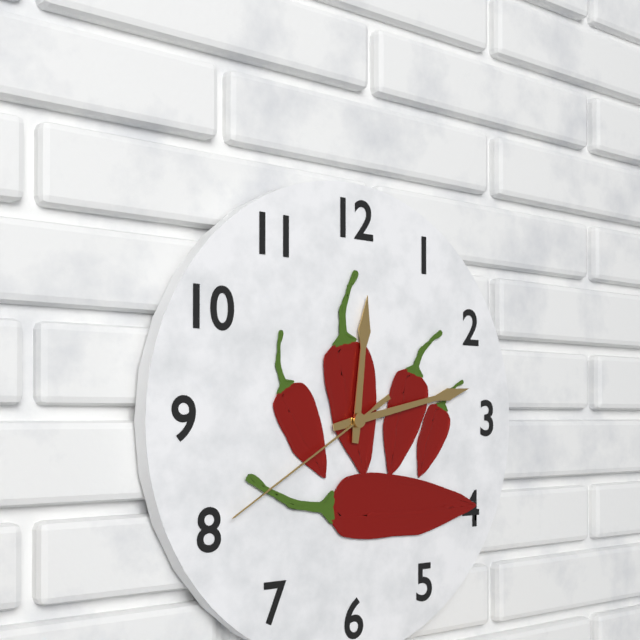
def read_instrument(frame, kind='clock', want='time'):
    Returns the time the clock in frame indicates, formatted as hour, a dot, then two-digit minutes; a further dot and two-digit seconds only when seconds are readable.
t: 12.13.40
